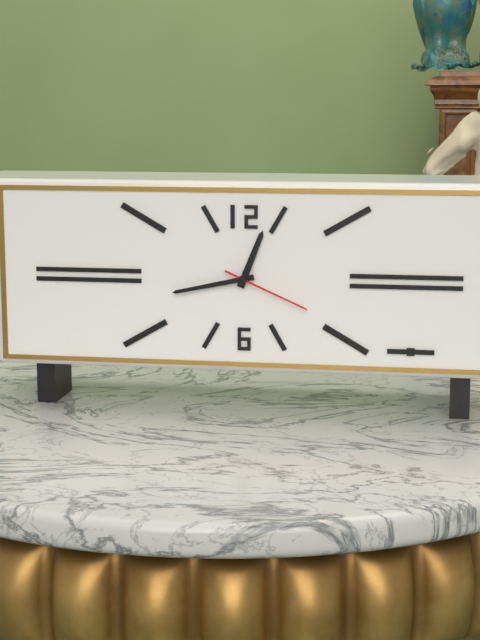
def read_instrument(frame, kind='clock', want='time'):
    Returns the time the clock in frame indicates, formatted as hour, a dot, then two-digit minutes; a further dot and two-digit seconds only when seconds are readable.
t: 12.43.19
